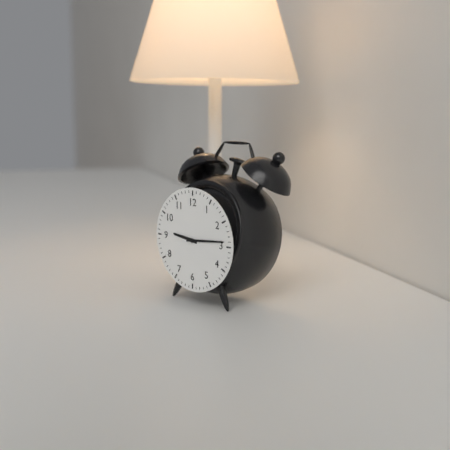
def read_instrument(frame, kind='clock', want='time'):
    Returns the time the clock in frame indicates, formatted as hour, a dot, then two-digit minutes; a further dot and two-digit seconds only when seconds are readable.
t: 9.14
